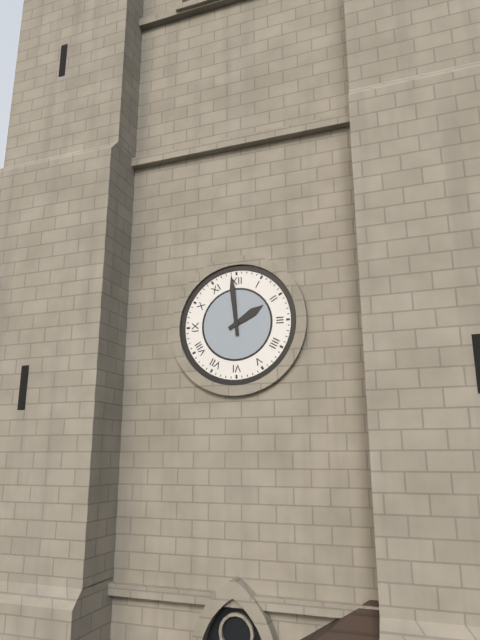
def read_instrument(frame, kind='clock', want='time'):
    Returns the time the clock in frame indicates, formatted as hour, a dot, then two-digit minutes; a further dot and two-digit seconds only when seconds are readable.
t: 1.59
